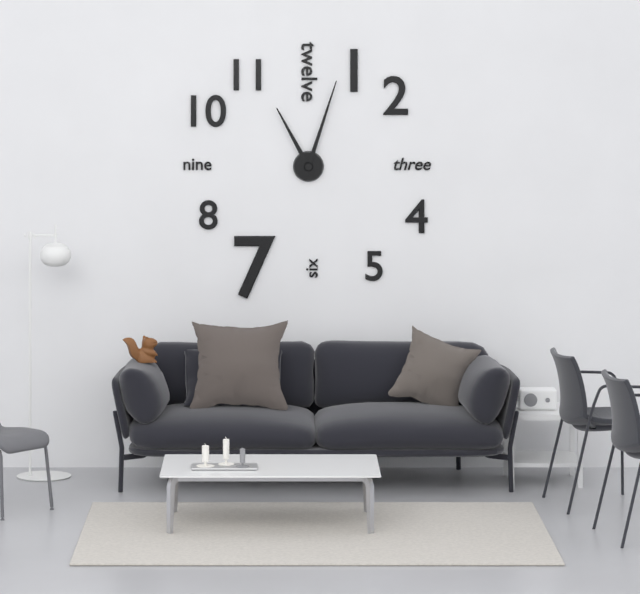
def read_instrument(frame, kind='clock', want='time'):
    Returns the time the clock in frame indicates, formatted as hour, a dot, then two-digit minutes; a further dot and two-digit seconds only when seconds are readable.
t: 11.03
